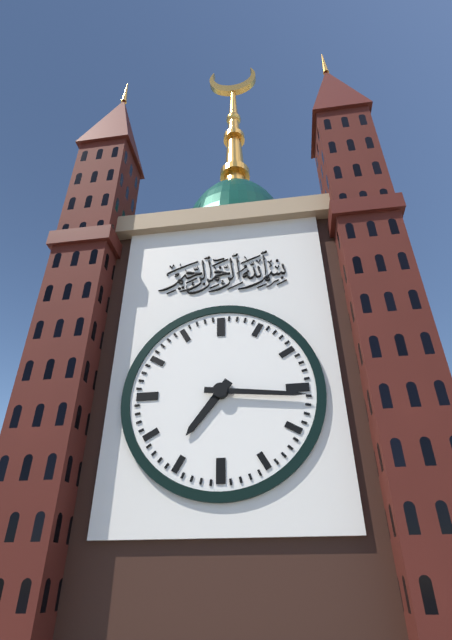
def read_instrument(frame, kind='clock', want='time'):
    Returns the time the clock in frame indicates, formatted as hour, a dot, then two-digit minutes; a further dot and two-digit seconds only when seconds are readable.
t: 7.16
